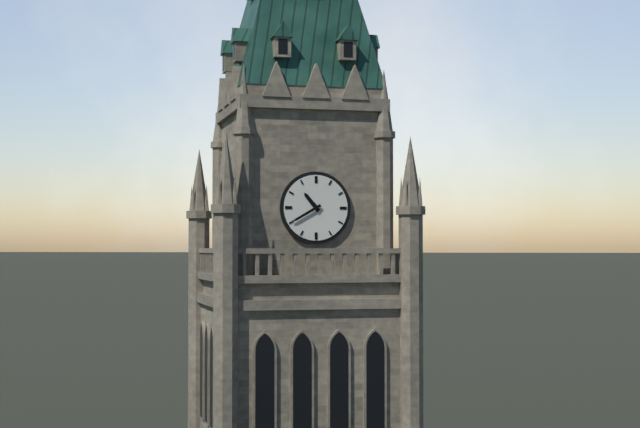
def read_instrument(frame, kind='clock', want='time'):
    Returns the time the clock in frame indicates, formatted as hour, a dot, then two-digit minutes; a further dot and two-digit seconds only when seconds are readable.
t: 10.40
